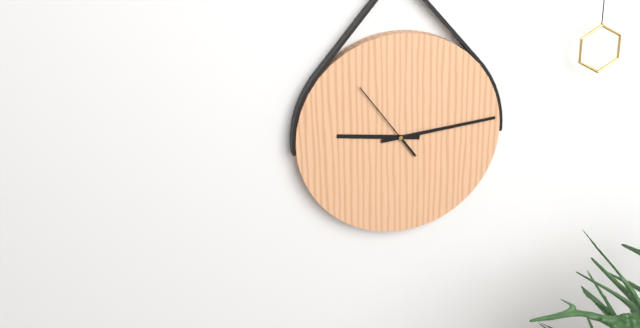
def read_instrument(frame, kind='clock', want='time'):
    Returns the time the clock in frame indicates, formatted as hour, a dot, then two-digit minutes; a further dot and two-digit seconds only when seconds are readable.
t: 9.14.54
